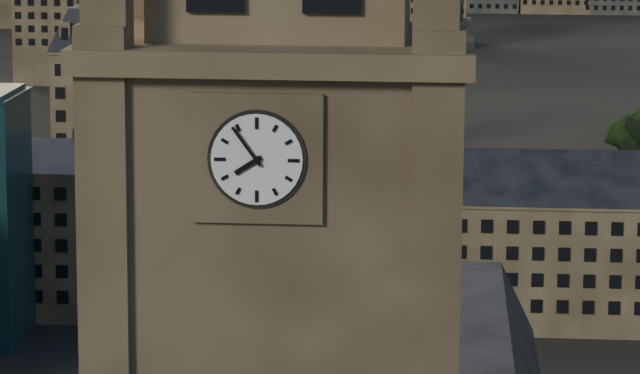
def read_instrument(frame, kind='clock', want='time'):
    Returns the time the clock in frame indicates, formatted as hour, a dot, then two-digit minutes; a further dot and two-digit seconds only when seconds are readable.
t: 7.54
